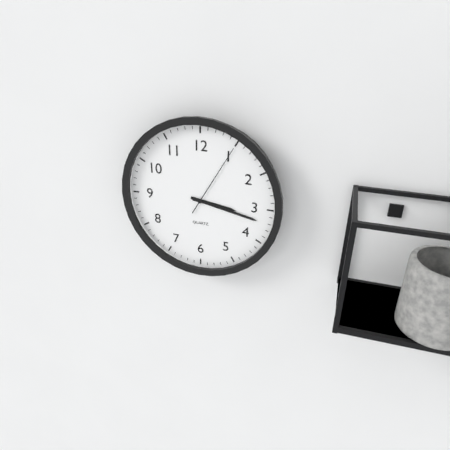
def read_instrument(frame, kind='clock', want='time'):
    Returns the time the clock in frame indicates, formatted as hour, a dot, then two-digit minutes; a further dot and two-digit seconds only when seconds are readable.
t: 3.17.05
